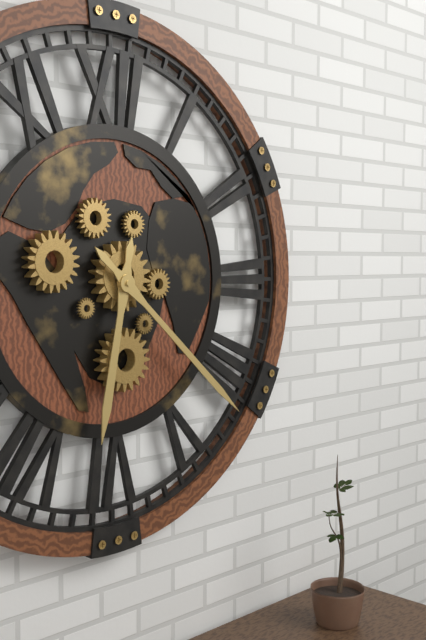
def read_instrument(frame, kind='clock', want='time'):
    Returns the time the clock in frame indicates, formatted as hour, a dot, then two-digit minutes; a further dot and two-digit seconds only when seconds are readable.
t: 6.22
